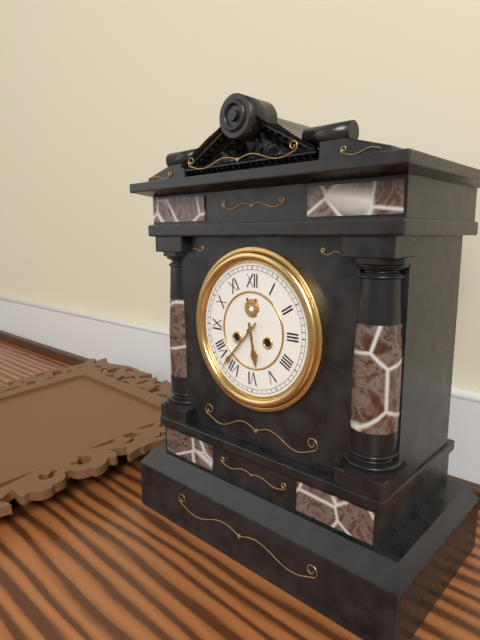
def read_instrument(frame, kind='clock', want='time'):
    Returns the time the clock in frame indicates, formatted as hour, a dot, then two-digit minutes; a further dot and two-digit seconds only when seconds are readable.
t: 5.37
